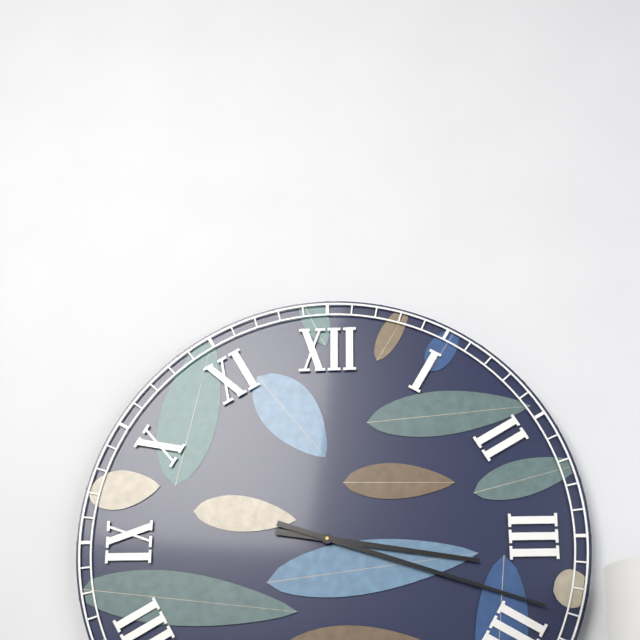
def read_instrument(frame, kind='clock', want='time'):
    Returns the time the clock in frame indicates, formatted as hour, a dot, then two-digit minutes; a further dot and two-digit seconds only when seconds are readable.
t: 3.18
